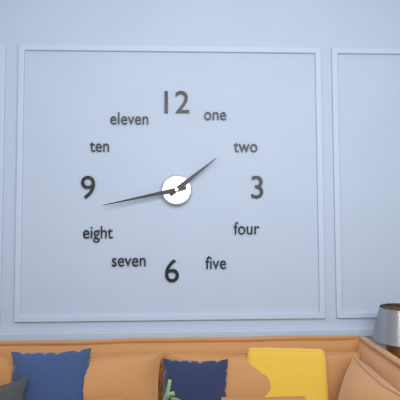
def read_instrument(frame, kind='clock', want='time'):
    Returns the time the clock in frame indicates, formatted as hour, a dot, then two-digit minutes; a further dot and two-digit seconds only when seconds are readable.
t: 1.43
